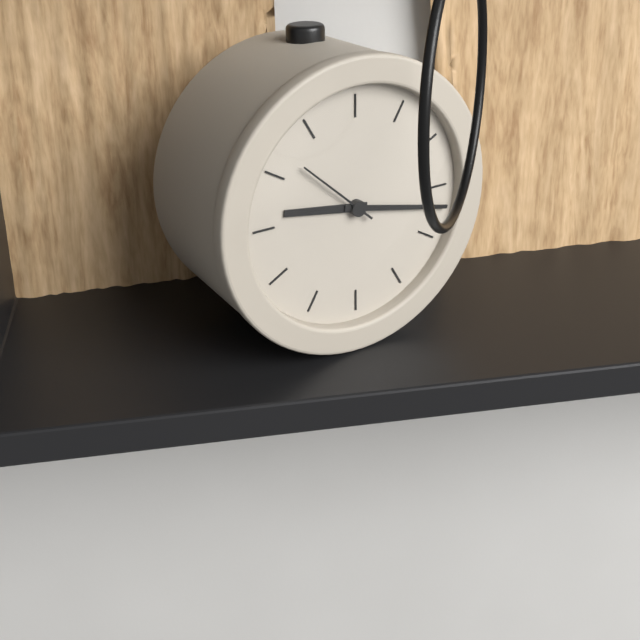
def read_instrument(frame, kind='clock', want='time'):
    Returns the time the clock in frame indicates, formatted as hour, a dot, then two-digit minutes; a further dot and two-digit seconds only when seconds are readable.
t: 9.17.52
